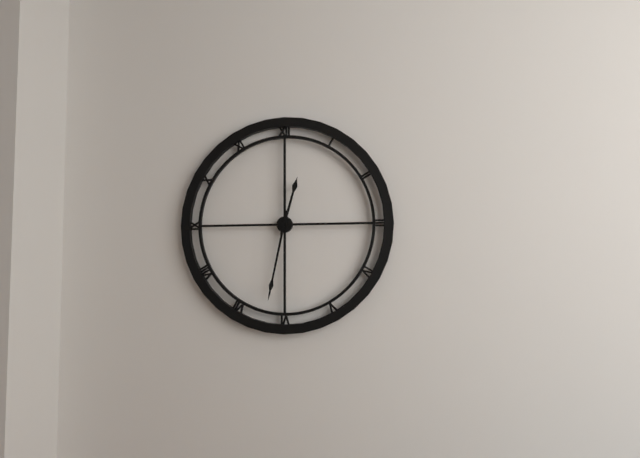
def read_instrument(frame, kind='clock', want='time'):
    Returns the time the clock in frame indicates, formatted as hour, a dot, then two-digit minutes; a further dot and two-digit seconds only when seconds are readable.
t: 12.32
